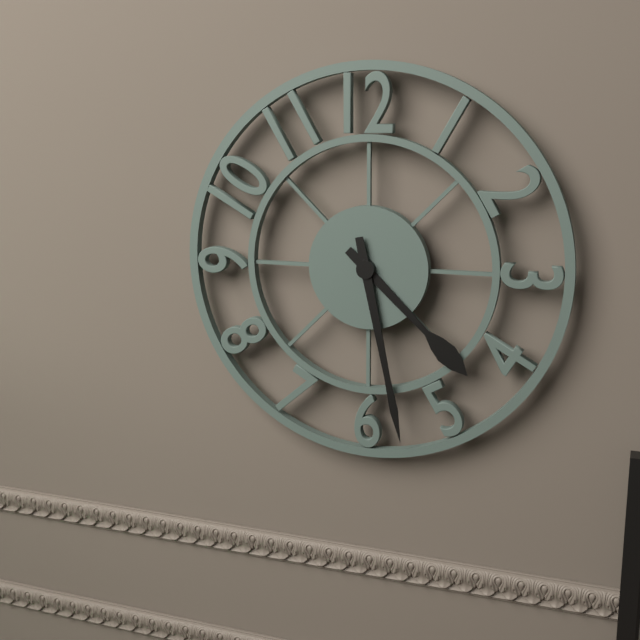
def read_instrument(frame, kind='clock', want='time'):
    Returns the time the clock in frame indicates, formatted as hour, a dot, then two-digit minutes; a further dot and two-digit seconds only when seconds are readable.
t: 4.28
